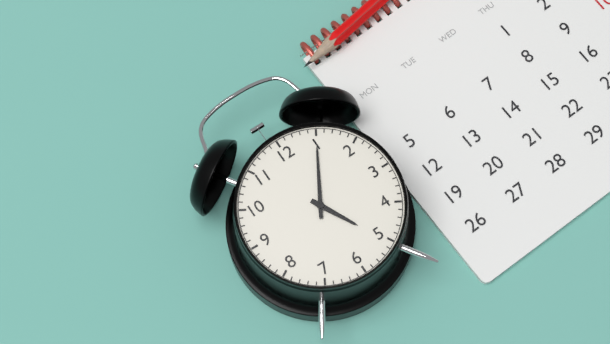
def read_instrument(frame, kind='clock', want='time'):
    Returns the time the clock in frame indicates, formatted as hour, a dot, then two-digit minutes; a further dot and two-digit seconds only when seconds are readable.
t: 5.05
